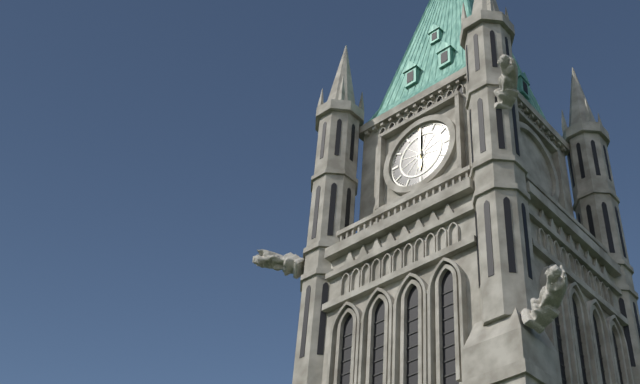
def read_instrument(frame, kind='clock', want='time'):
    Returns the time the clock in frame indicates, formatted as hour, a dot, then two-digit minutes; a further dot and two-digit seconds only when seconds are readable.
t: 6.00
